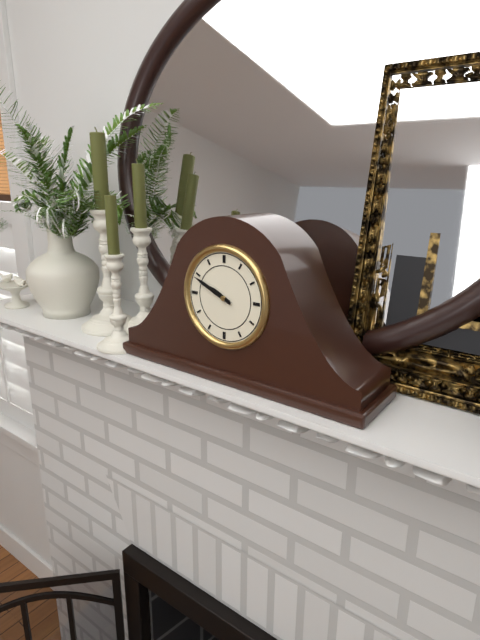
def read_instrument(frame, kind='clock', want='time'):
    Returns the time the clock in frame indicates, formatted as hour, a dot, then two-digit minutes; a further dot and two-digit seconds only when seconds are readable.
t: 9.49
